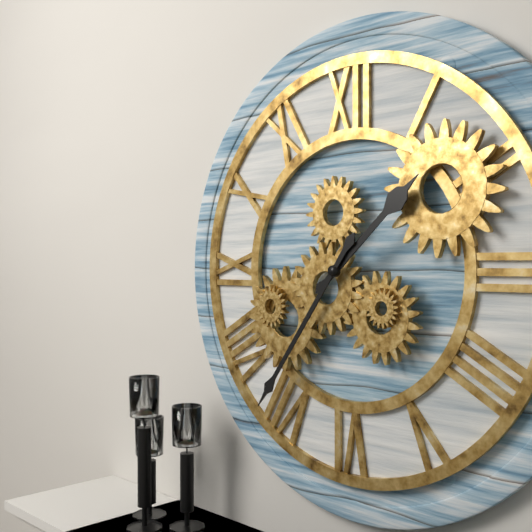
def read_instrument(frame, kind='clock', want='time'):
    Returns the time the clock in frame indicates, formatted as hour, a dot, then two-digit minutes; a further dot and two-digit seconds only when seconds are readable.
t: 1.36
